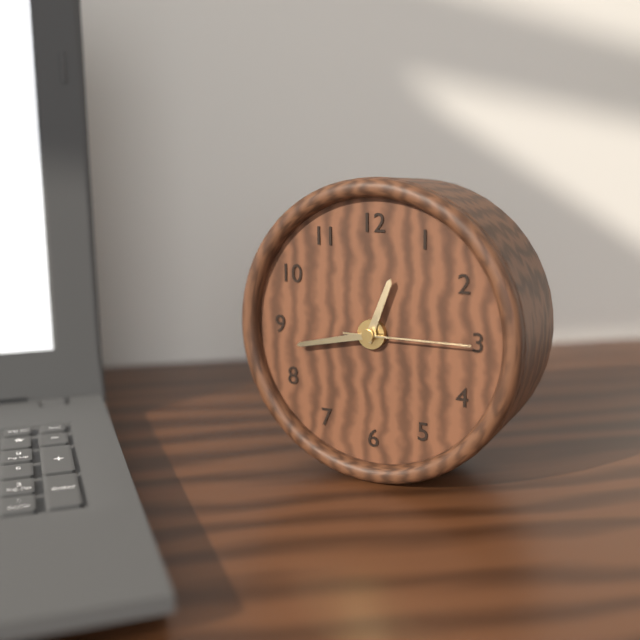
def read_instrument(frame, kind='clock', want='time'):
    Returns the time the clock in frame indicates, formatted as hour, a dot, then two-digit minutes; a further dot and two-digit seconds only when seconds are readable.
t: 12.43.15
